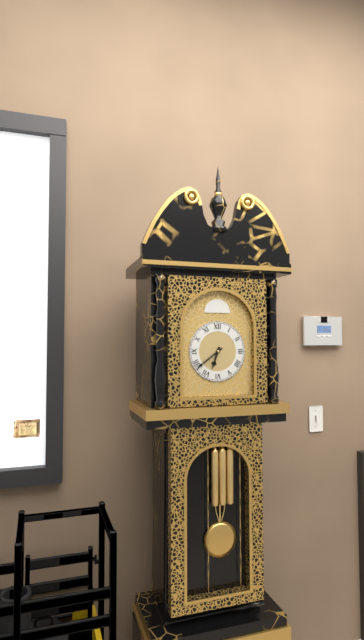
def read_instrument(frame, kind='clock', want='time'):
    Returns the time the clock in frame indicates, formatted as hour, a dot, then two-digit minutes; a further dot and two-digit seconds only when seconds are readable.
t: 6.39
